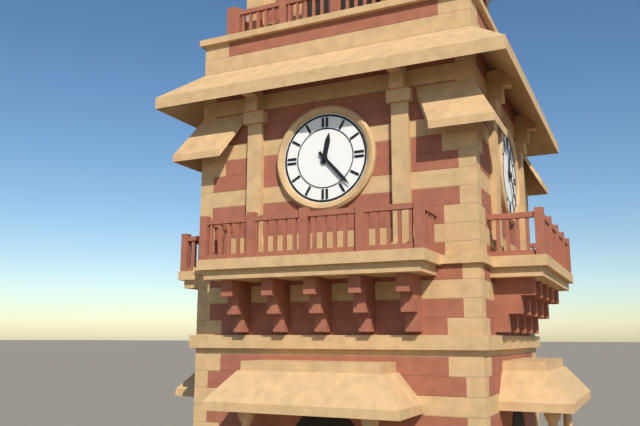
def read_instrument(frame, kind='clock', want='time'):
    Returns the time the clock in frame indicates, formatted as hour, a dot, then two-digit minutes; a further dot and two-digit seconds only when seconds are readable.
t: 12.23
